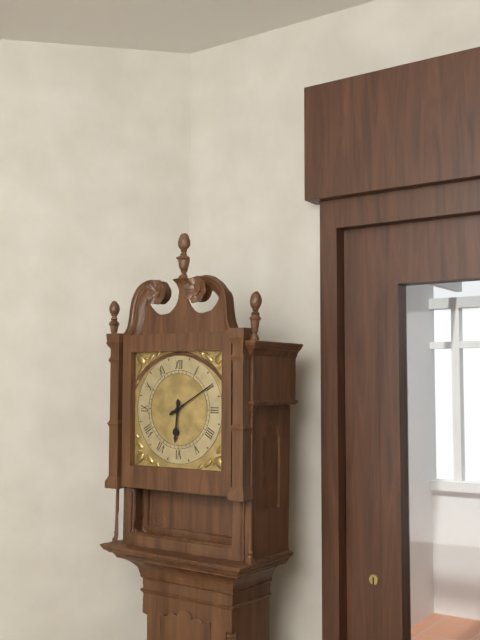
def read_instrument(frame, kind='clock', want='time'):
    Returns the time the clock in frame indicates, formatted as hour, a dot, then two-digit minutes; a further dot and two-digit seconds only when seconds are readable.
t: 6.10
